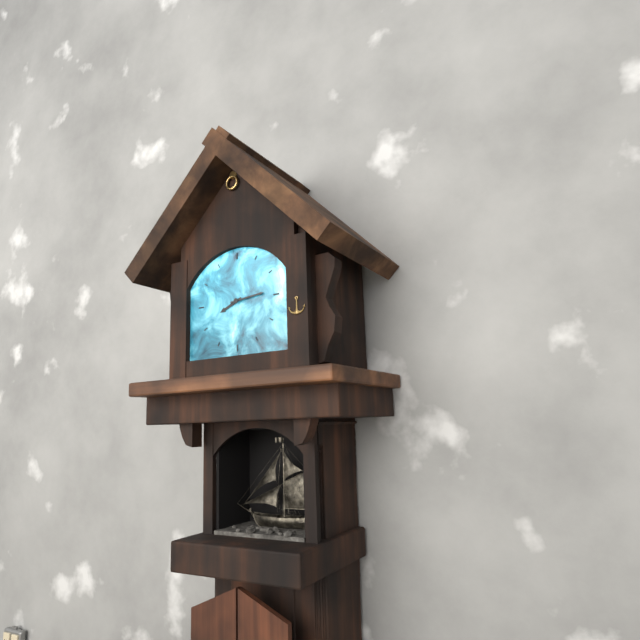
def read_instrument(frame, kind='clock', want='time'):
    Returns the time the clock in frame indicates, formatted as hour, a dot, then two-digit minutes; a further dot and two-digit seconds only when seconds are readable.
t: 8.14
